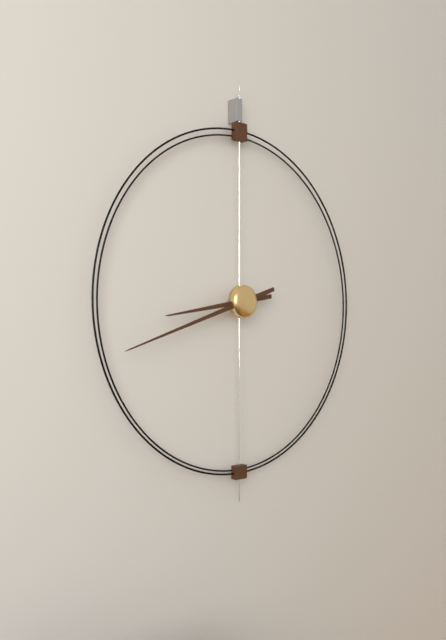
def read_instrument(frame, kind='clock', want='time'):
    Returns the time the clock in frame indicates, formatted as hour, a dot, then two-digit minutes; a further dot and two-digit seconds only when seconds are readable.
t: 8.42
